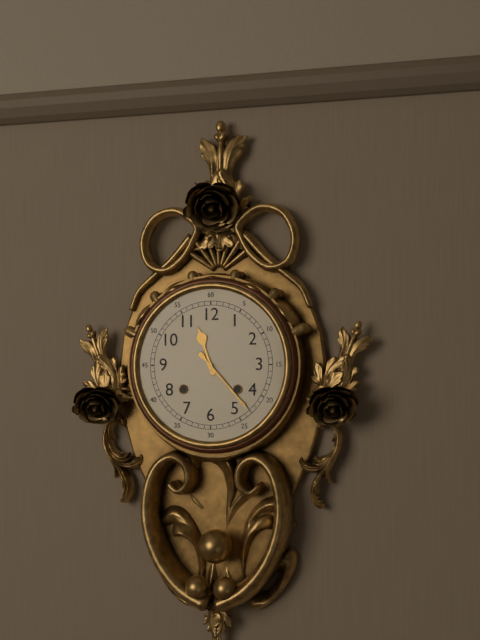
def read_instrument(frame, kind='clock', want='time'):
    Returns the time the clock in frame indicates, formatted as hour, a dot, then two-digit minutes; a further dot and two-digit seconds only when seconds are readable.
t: 11.23
